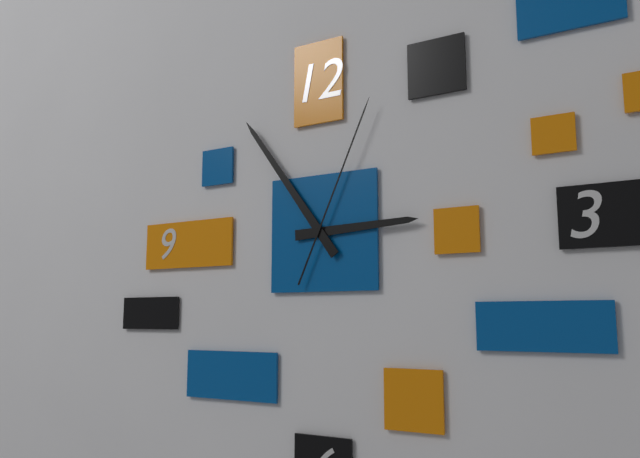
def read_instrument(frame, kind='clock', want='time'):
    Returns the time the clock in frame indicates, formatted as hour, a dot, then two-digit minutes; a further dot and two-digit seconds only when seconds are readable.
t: 2.54.04
